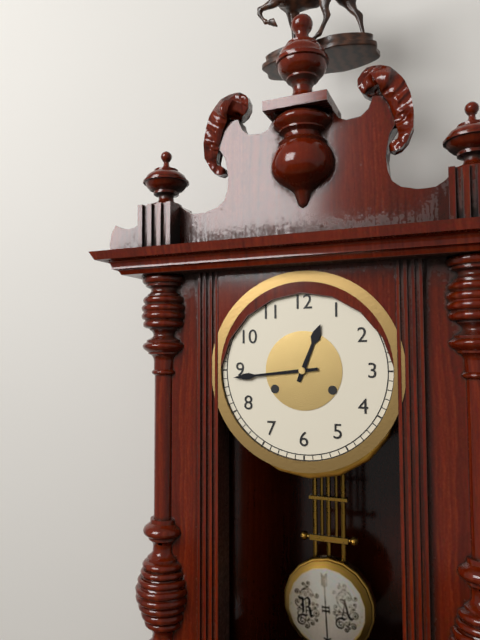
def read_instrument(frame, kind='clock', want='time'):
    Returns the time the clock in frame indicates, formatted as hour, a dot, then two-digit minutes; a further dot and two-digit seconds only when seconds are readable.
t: 12.44
